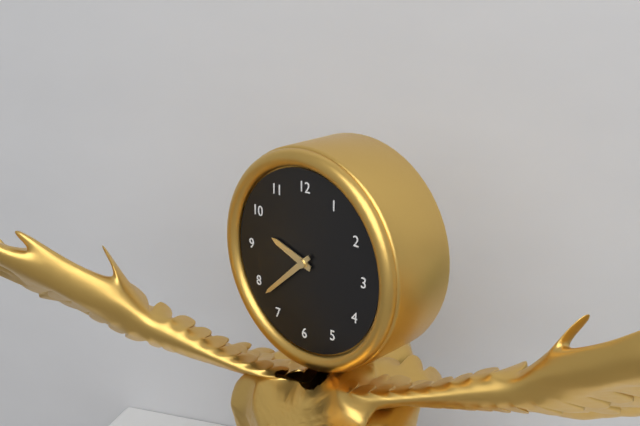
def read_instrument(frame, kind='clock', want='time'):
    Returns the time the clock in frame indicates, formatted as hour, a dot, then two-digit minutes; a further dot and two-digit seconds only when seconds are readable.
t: 9.38
